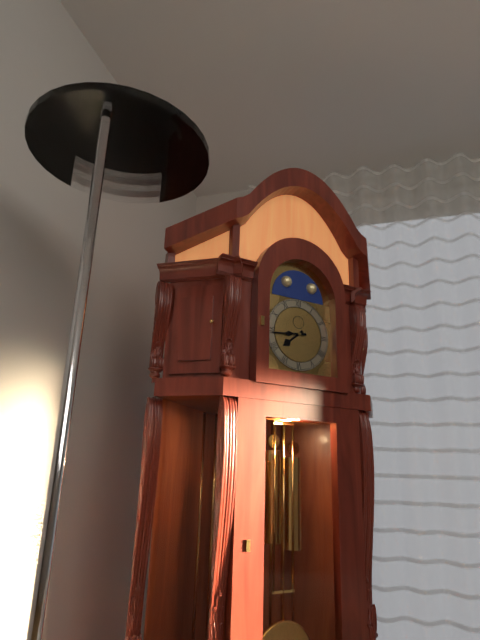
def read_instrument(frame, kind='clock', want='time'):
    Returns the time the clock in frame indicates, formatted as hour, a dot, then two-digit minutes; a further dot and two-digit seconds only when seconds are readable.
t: 7.44
